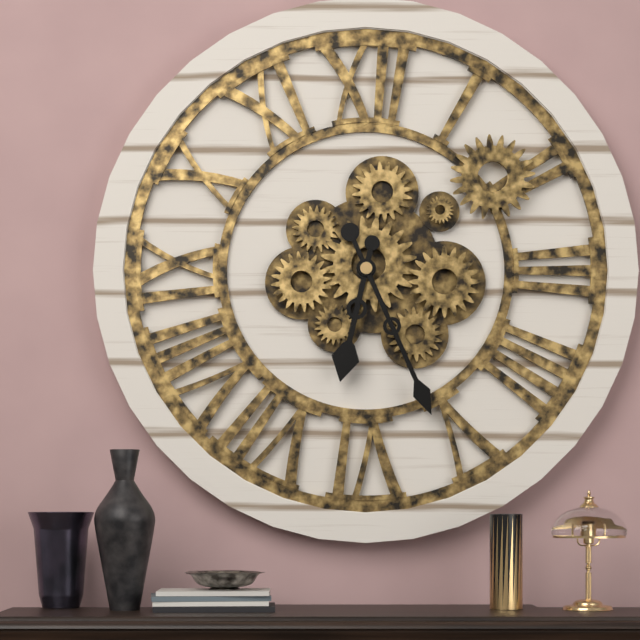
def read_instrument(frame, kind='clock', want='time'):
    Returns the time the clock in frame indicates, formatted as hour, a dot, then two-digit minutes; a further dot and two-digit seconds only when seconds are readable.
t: 6.26
